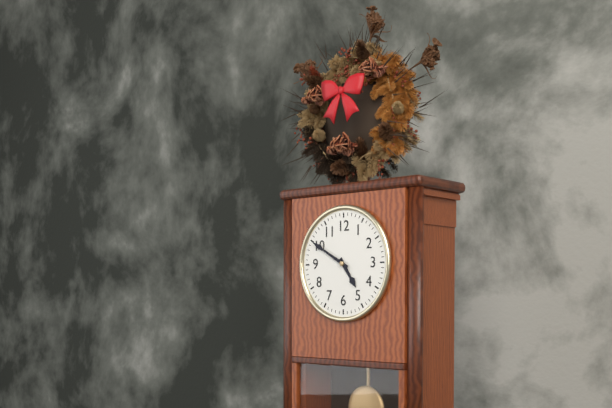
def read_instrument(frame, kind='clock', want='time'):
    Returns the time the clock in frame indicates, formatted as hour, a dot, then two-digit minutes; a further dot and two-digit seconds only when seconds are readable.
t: 4.50
